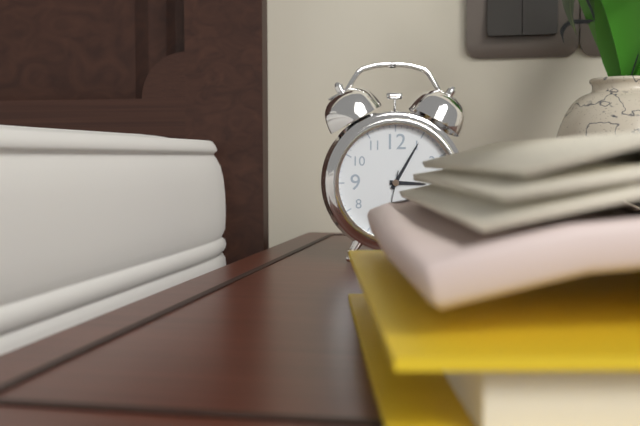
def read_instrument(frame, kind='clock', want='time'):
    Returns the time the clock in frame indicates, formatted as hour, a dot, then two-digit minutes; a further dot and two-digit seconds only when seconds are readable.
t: 3.05
